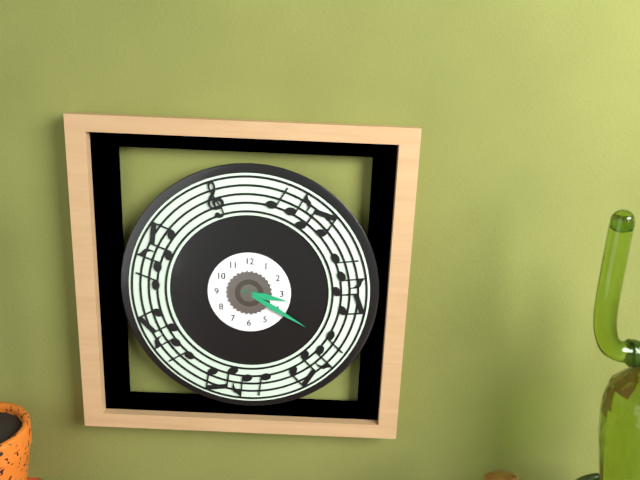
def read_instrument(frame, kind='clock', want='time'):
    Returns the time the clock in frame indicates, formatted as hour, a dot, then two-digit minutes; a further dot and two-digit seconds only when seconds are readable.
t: 3.20
